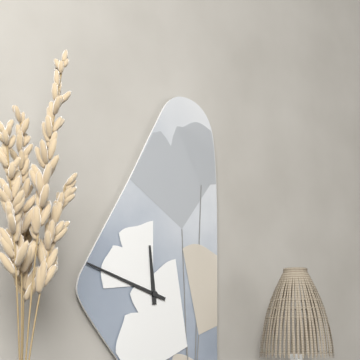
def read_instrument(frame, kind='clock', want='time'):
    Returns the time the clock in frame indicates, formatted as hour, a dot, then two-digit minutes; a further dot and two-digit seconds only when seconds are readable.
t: 11.48
